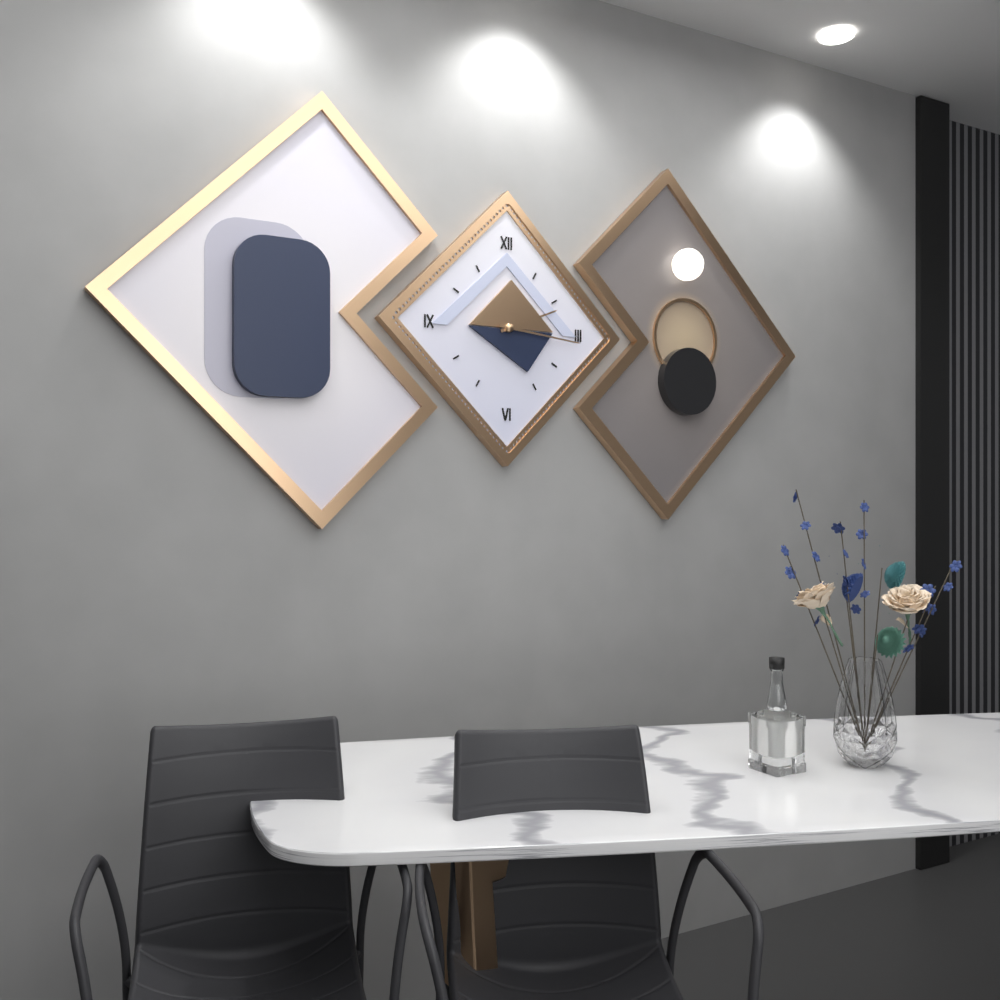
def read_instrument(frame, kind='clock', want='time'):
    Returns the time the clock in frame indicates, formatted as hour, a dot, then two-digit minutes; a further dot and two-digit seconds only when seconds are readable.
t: 2.16
